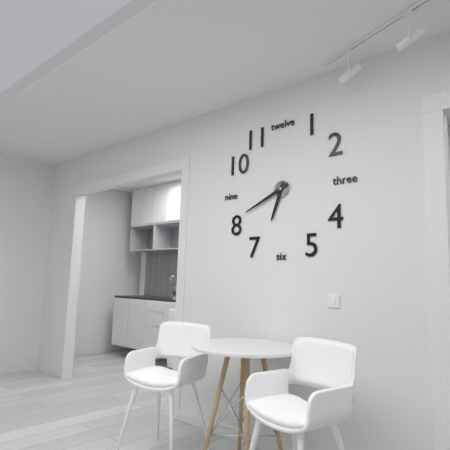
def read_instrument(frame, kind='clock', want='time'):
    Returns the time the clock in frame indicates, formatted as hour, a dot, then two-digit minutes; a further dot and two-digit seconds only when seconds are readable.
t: 6.41
